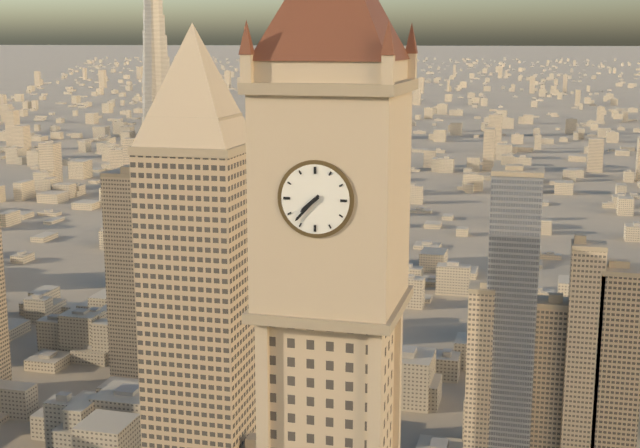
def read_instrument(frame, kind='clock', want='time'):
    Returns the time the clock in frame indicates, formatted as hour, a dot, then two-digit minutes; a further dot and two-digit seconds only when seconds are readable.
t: 7.37
